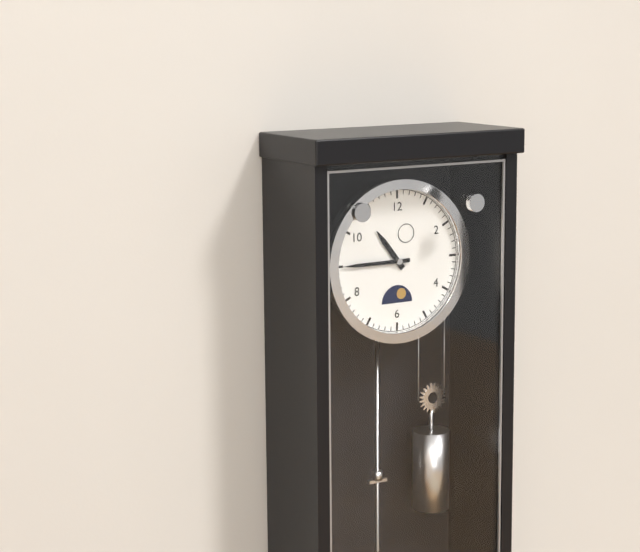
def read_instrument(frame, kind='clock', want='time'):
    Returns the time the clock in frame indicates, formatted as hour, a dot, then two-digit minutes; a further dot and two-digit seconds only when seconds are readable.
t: 10.45
